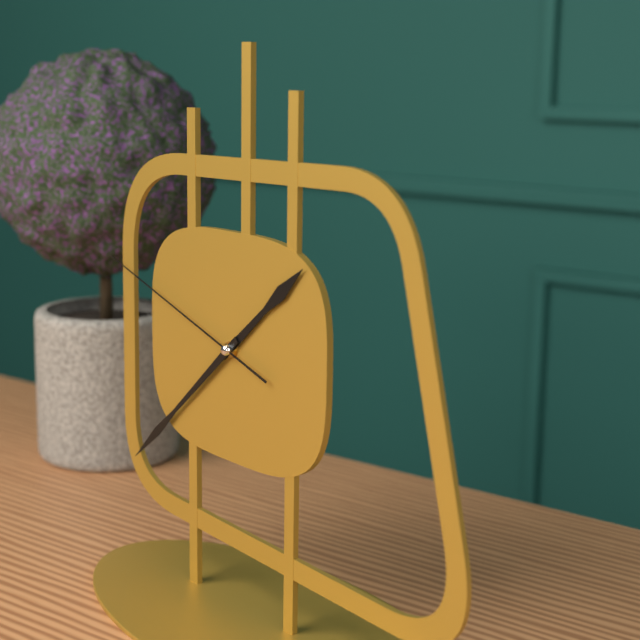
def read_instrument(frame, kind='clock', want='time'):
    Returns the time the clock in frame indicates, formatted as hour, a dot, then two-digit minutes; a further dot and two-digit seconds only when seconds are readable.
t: 1.38.48
